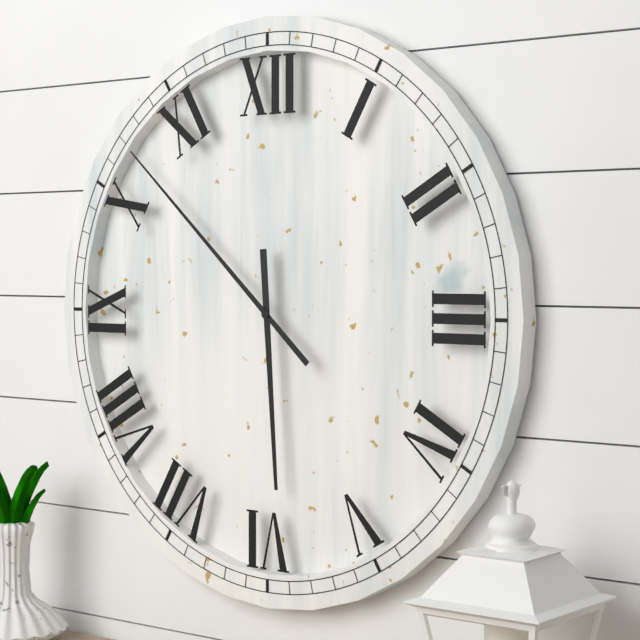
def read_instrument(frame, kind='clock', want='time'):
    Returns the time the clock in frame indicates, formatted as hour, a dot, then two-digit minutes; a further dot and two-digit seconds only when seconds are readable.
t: 5.52
